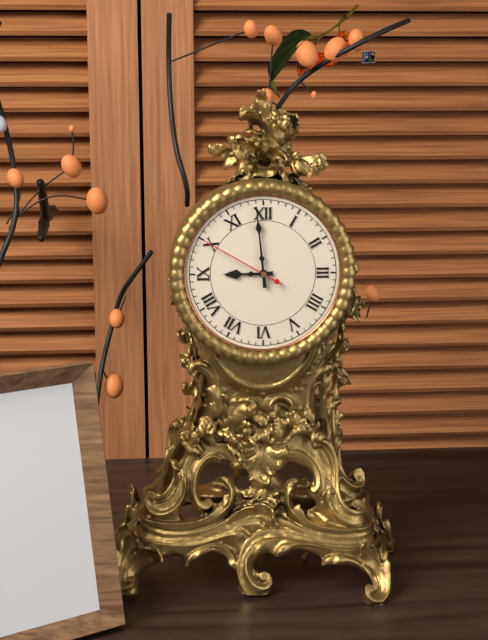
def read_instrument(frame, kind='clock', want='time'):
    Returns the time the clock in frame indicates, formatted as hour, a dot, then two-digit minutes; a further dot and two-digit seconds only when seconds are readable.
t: 8.59.50
